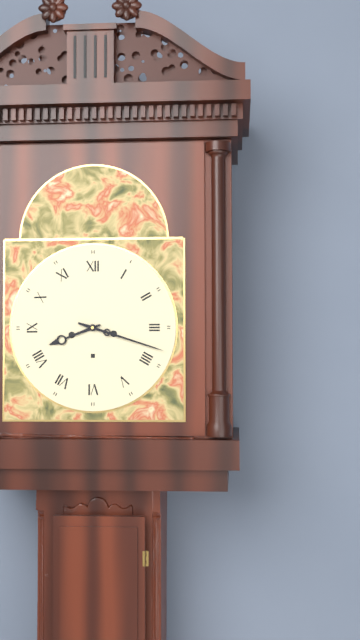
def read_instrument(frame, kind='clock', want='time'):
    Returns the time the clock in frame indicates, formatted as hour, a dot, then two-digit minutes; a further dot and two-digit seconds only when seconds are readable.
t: 8.18
